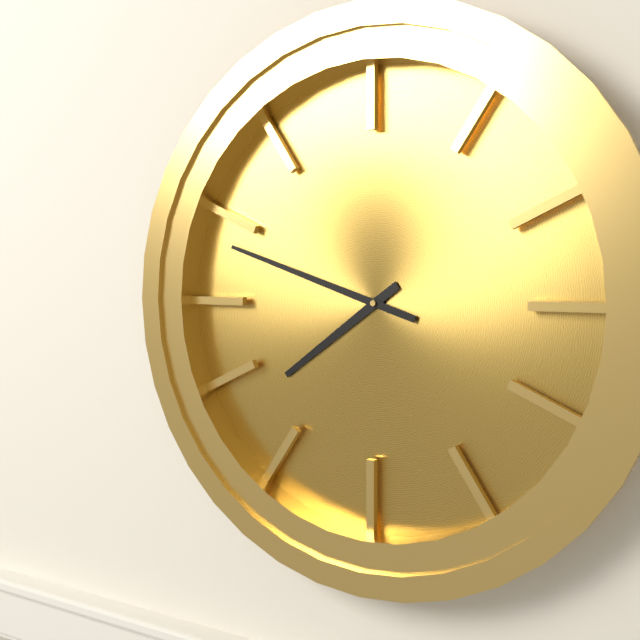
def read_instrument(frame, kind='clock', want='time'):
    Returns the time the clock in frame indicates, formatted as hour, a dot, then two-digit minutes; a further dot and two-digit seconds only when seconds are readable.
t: 7.48
